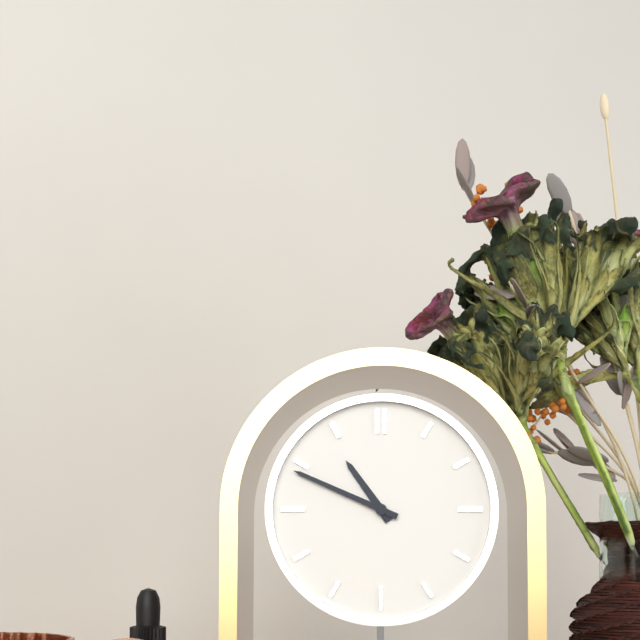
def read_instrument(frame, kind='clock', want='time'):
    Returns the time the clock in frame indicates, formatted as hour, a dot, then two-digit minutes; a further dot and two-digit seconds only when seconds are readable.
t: 10.49
